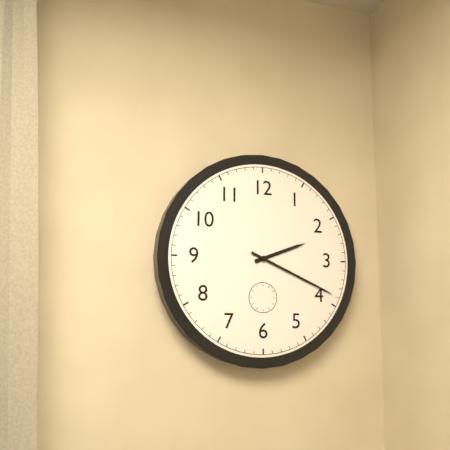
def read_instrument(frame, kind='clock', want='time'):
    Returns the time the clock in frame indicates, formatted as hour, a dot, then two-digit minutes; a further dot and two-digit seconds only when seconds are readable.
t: 2.19
